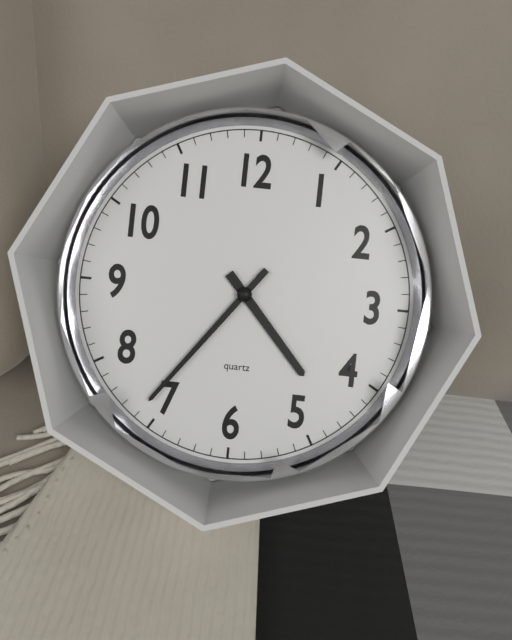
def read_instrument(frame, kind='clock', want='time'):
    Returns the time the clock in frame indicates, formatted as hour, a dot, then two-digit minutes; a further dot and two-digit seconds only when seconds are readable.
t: 4.36
